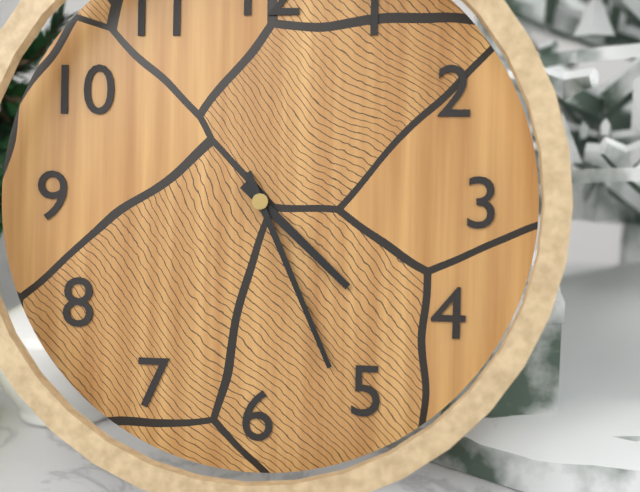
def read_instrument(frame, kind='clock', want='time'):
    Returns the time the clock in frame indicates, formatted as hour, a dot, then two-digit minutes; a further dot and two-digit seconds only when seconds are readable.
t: 4.26
